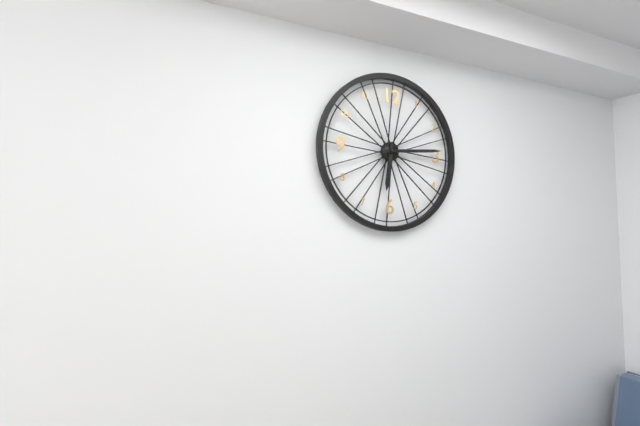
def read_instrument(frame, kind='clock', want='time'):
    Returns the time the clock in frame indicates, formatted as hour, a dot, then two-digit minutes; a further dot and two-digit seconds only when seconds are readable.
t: 6.14
